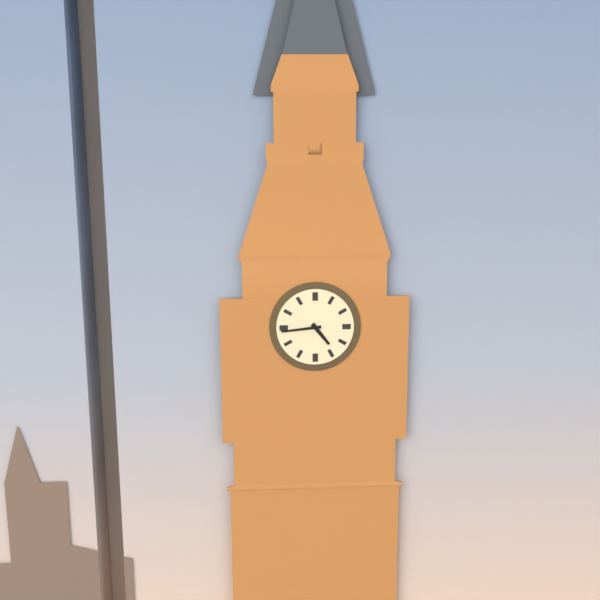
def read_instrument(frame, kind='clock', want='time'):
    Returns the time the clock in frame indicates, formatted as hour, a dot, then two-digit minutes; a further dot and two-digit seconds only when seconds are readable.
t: 4.44
